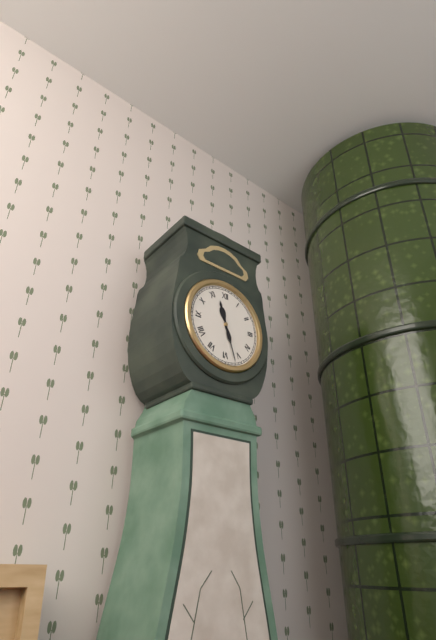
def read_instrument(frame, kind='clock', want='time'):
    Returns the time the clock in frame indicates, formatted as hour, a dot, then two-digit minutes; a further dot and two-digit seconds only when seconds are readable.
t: 11.27
